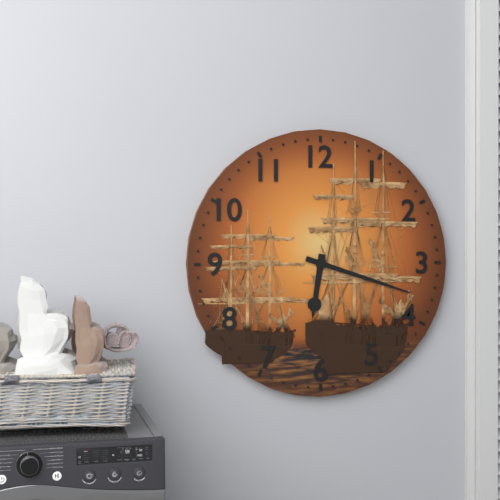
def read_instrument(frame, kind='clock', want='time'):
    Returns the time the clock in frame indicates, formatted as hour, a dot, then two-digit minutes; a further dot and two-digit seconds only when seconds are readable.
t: 6.18
